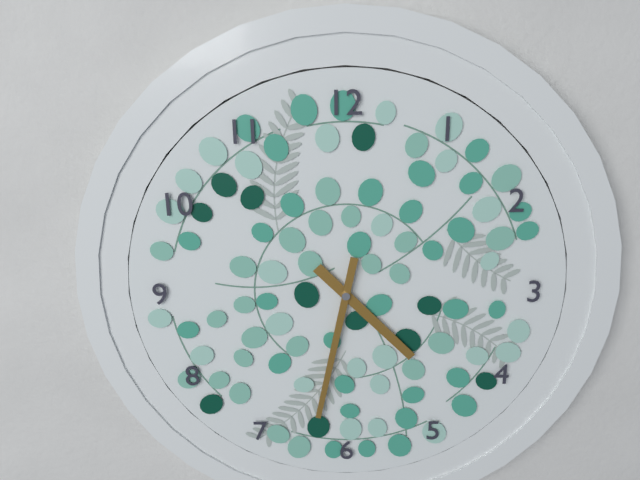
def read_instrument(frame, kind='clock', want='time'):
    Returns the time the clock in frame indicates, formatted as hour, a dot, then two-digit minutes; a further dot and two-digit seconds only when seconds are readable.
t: 4.32
